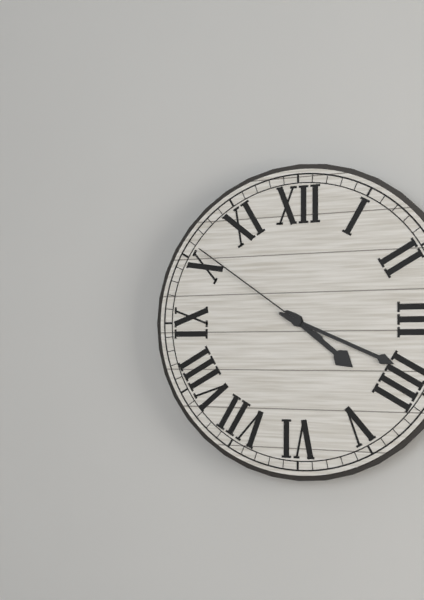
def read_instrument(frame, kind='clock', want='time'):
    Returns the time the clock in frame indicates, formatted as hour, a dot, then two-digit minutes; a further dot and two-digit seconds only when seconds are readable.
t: 4.19.51
